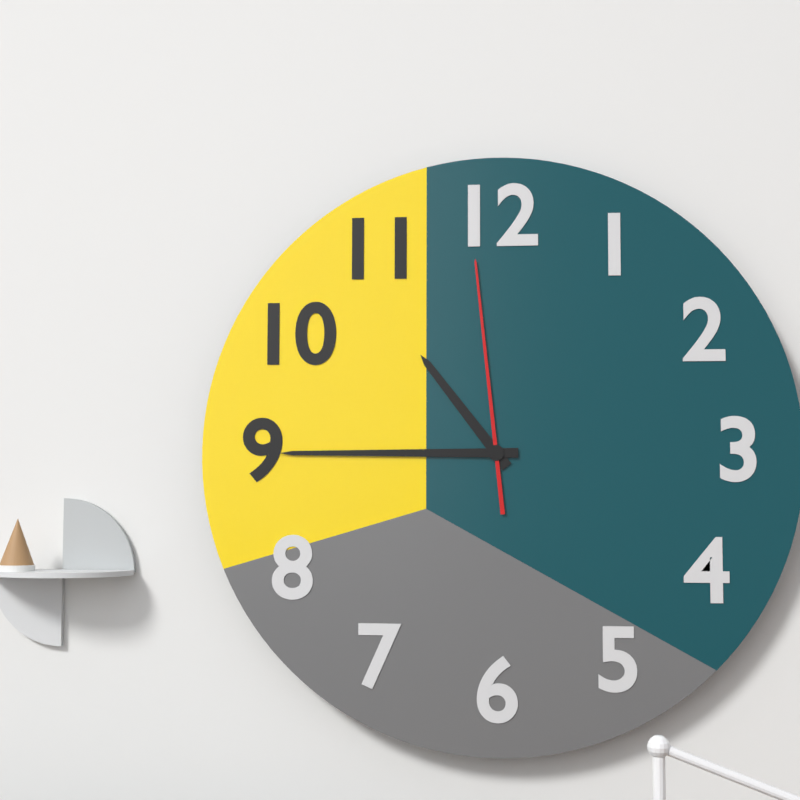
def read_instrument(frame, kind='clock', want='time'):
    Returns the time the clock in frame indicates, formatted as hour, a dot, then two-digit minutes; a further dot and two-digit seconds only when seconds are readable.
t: 10.45.59
